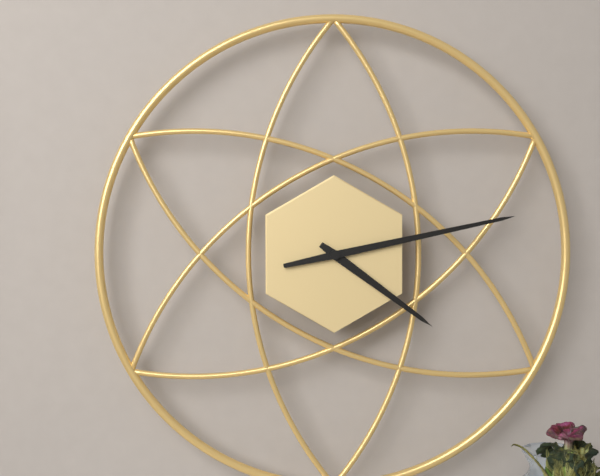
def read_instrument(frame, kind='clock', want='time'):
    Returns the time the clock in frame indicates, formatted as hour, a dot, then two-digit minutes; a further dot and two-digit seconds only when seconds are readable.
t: 4.13
